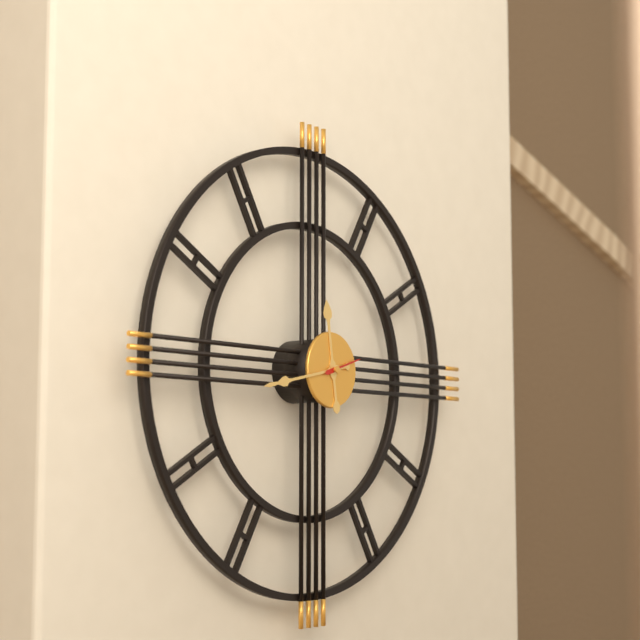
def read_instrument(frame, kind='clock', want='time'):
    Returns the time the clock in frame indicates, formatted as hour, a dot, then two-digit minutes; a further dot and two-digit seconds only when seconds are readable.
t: 11.43
